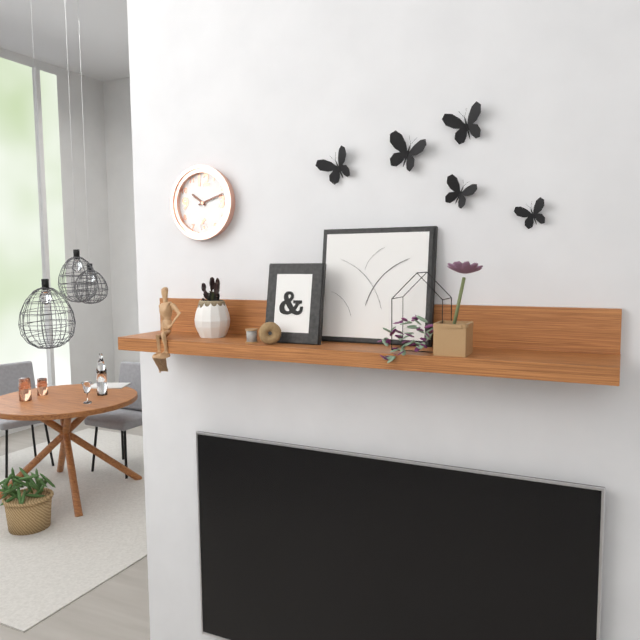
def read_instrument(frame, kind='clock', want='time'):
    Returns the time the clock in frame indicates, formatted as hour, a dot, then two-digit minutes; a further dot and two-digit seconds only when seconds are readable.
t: 10.12
